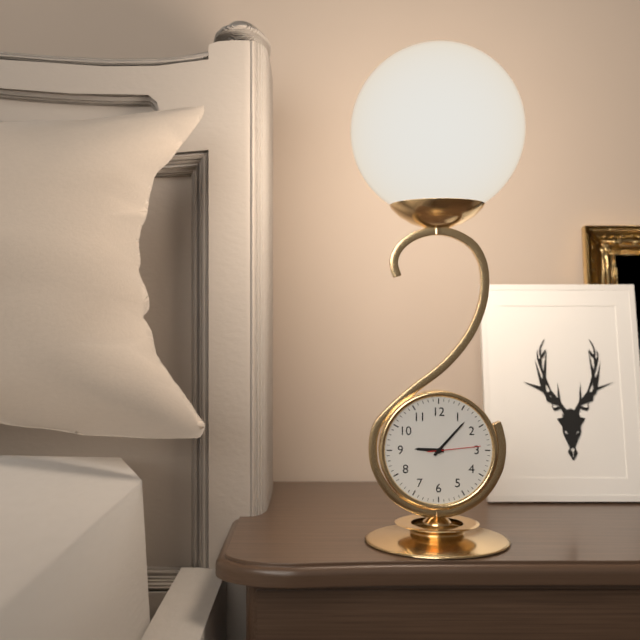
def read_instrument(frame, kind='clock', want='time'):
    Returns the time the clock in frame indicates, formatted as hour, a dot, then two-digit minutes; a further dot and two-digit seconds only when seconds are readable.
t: 9.07.14
